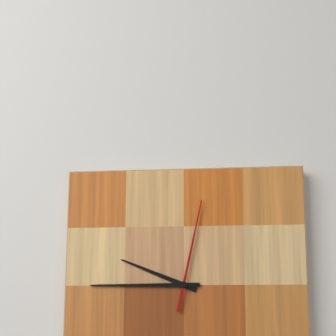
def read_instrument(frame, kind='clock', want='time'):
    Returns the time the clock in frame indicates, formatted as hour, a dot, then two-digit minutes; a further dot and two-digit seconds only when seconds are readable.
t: 9.45.02
